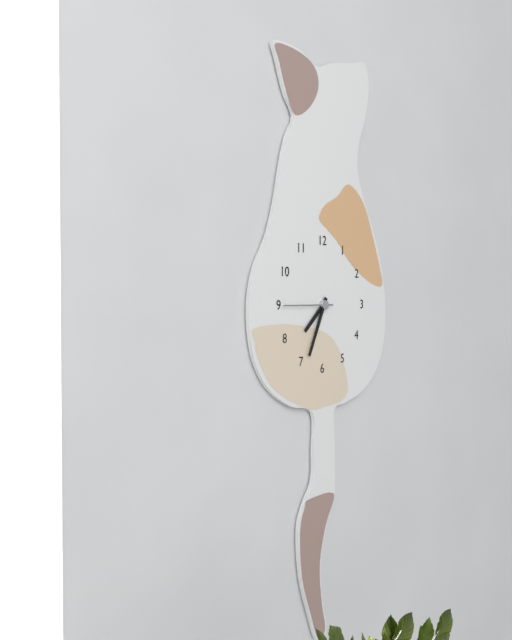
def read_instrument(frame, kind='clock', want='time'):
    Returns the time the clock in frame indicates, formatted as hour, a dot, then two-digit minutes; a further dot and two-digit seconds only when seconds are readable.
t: 7.34
